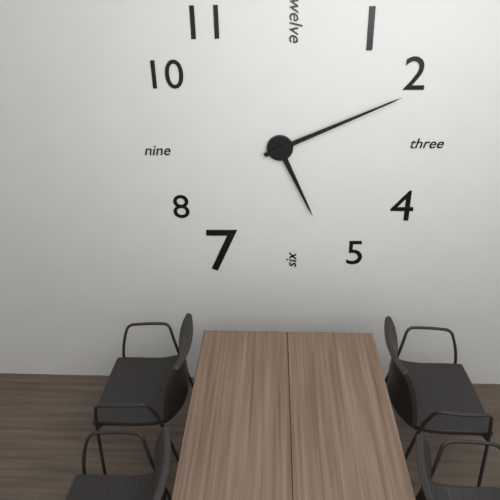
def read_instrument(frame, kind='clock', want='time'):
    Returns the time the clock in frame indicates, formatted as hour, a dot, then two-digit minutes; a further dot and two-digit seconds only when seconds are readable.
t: 5.11
